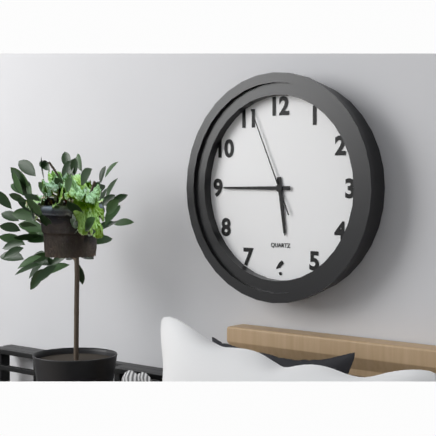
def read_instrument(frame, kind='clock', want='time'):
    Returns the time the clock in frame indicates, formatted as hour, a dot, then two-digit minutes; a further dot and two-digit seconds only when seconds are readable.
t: 5.45.56
